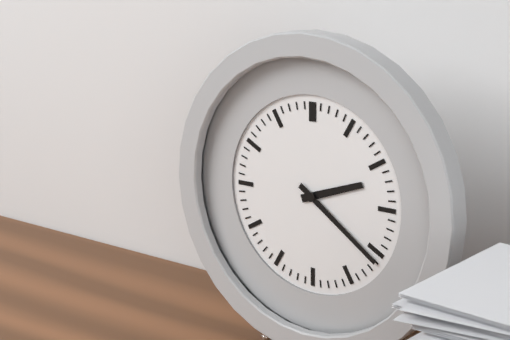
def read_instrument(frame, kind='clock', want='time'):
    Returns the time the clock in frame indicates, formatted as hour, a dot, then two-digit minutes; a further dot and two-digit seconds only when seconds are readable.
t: 2.21
